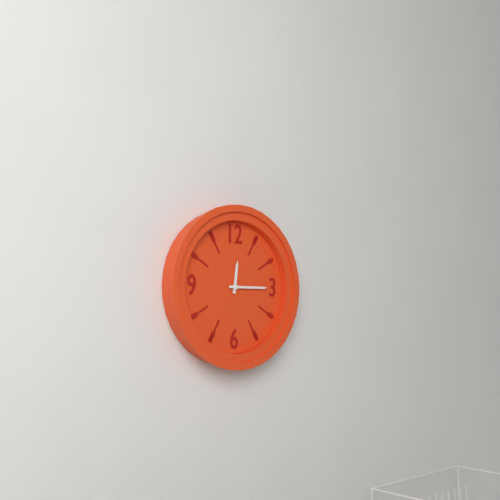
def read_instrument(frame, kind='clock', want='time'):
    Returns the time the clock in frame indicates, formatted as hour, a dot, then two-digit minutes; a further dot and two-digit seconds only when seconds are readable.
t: 12.15
